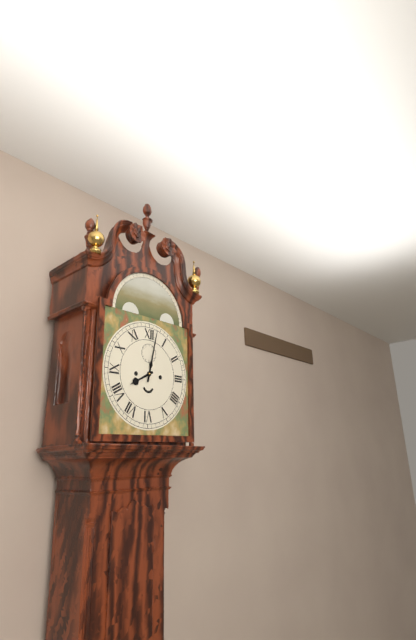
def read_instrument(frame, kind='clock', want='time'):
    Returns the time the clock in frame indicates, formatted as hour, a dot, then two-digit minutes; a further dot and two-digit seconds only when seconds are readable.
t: 8.02
